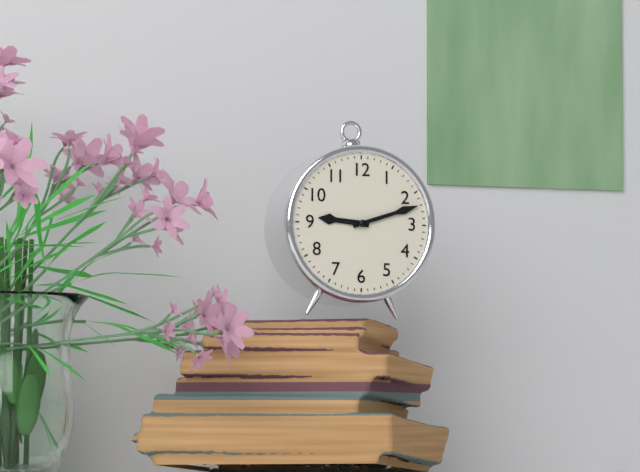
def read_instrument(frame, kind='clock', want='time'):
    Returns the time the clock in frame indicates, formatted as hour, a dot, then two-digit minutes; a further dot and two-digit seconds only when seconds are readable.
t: 9.12
